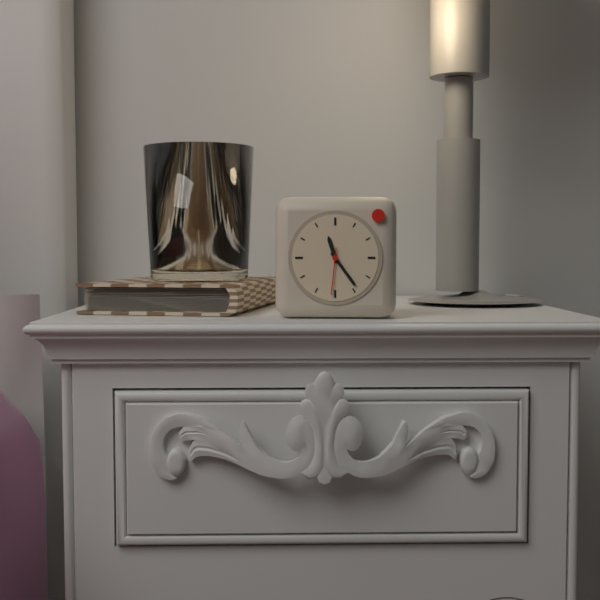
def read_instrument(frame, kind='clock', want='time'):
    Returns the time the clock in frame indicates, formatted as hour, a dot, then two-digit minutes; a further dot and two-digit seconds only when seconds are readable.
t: 11.24
